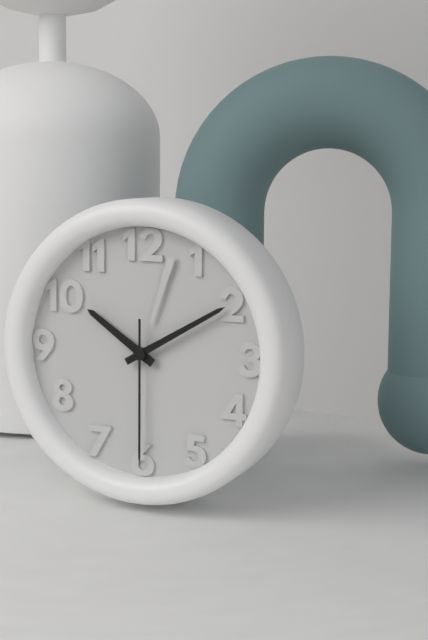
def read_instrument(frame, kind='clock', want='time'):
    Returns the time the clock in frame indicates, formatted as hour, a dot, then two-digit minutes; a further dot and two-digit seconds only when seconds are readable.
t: 10.10.30
